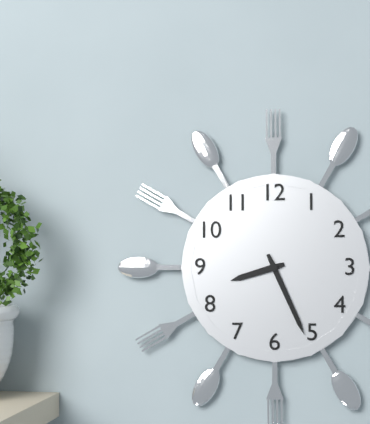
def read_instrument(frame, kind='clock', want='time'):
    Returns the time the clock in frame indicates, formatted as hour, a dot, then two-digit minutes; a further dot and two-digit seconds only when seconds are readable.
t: 8.26
